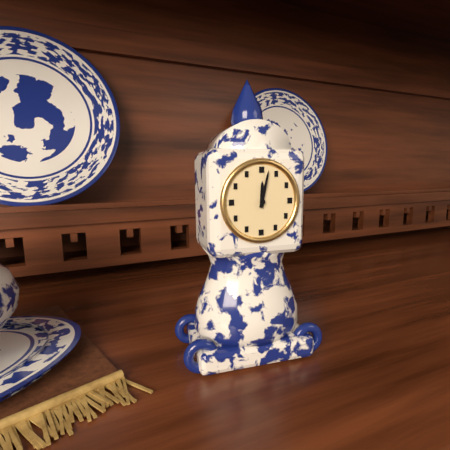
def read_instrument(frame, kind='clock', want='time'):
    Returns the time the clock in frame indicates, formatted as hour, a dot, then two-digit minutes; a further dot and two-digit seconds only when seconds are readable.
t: 12.02
